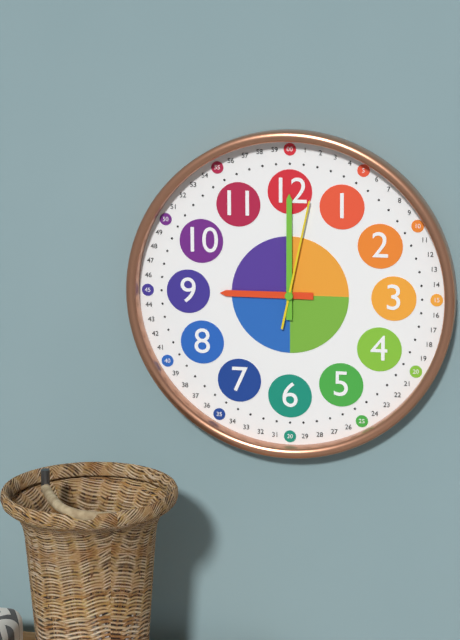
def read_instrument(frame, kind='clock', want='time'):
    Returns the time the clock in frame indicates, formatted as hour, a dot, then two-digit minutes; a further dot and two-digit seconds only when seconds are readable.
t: 9.00.02
